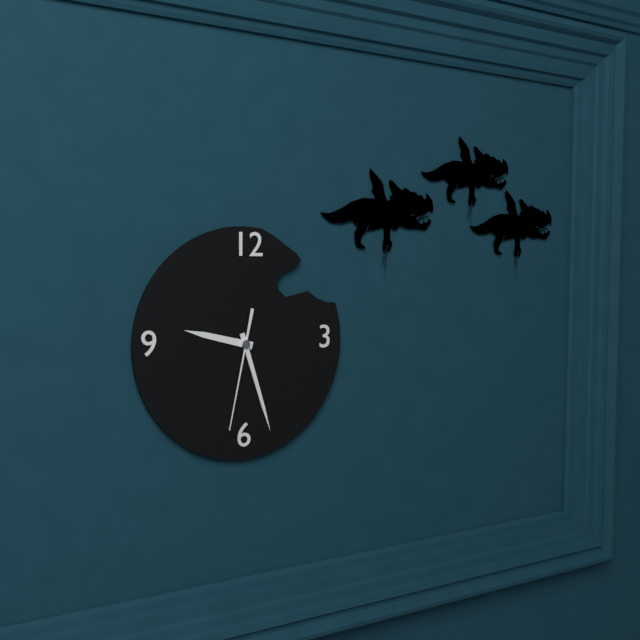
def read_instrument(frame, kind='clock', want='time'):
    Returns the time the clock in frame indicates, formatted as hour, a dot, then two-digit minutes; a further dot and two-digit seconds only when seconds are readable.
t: 9.27.32
